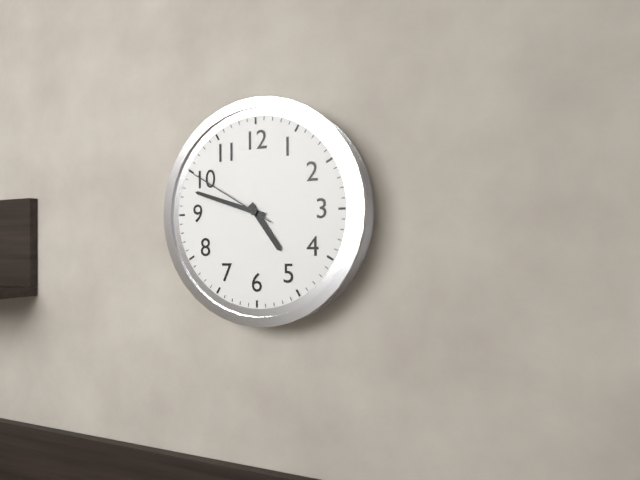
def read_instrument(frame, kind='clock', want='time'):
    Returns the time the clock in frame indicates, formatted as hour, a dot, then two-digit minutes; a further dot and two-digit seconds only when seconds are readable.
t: 4.48.50
